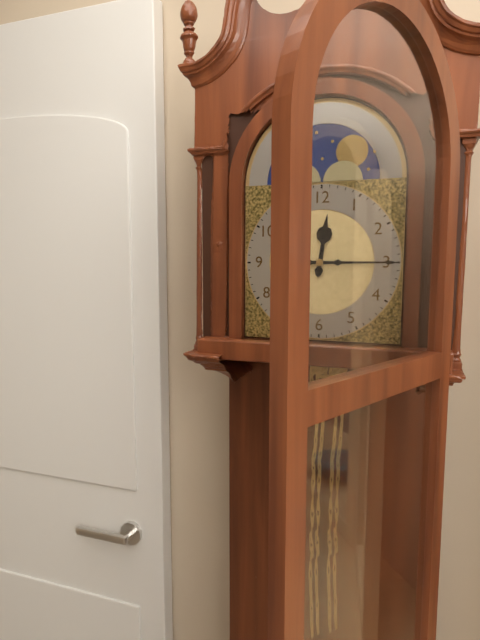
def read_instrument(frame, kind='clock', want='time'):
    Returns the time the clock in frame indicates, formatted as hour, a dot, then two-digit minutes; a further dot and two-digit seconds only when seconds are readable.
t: 12.15
